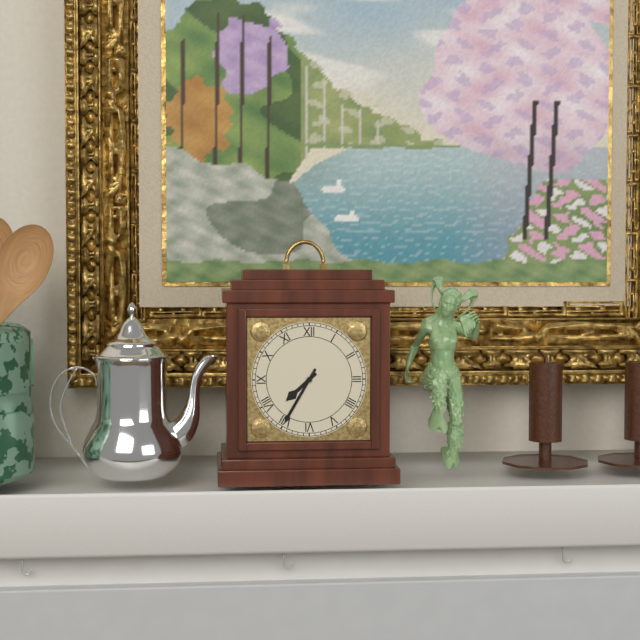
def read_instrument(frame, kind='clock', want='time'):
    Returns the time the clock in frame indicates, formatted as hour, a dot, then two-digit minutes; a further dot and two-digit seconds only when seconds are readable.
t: 7.35
